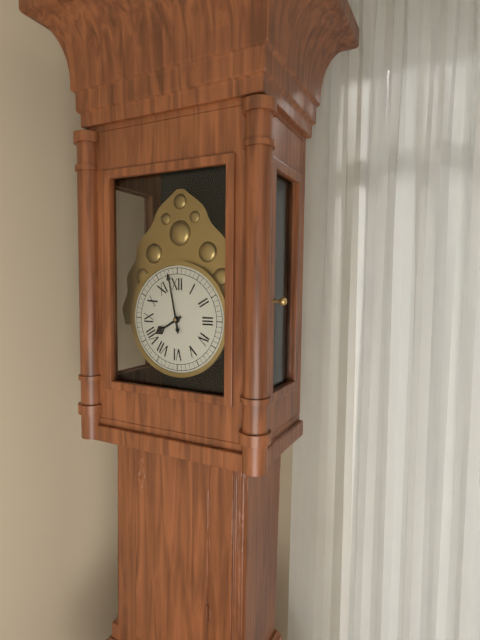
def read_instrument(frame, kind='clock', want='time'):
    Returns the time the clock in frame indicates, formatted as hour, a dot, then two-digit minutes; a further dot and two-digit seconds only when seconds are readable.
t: 7.58
